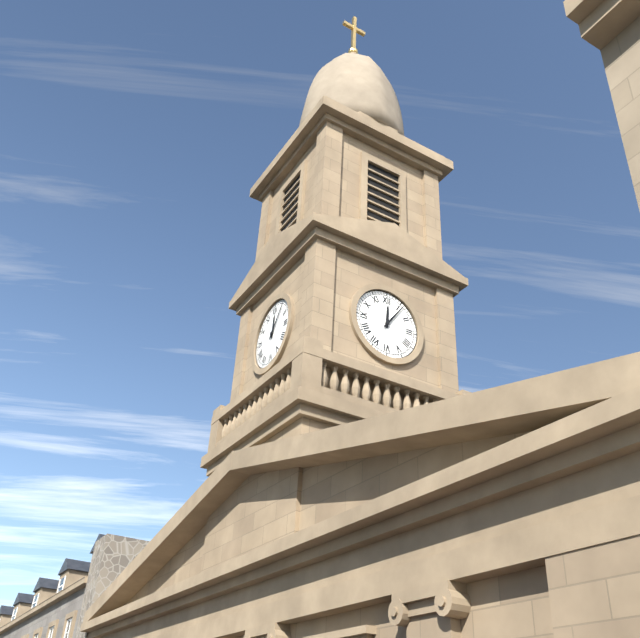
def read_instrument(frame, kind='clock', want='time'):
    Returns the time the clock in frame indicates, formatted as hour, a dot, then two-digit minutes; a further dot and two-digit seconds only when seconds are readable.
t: 12.06
